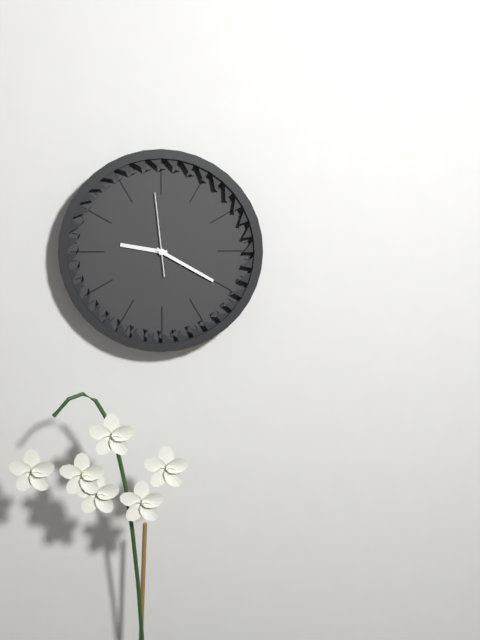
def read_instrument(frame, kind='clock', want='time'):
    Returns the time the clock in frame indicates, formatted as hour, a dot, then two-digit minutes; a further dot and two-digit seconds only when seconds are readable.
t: 9.20.59
